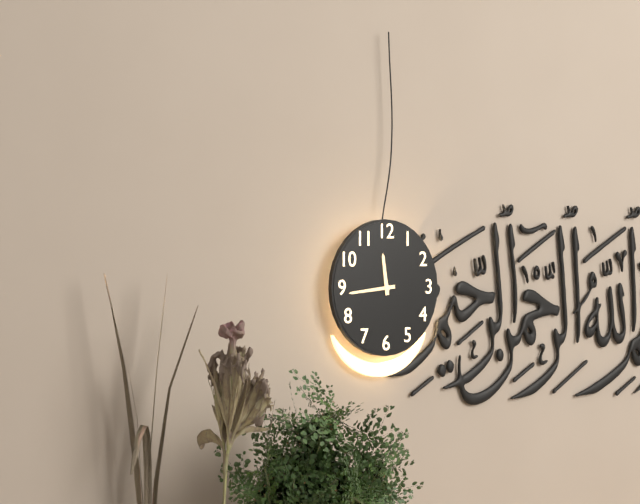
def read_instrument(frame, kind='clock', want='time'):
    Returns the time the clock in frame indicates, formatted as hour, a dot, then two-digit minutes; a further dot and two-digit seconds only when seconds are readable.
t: 11.44
